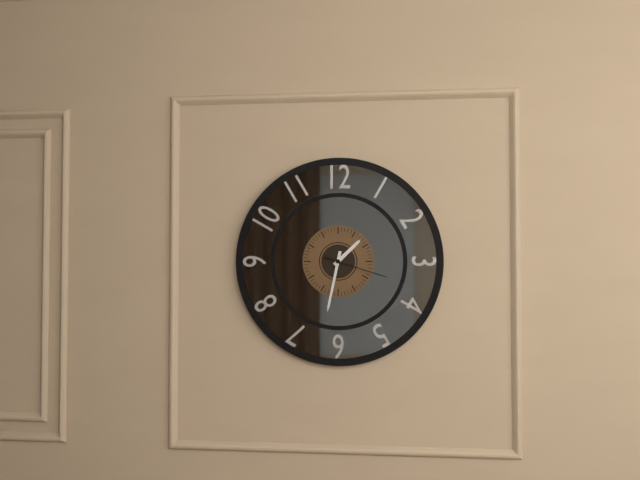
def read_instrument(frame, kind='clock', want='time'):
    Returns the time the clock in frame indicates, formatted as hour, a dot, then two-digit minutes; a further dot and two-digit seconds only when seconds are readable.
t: 1.32.18
